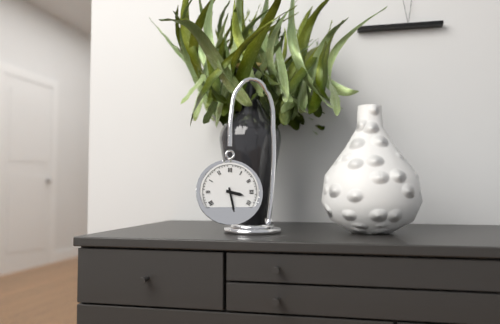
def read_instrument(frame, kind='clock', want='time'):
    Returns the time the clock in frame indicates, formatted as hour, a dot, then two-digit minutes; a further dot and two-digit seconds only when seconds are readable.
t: 3.28
